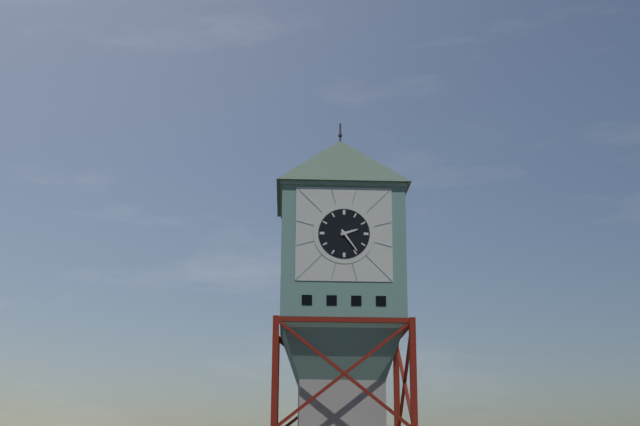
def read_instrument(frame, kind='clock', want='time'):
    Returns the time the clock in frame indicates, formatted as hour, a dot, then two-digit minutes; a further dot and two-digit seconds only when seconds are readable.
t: 2.24
